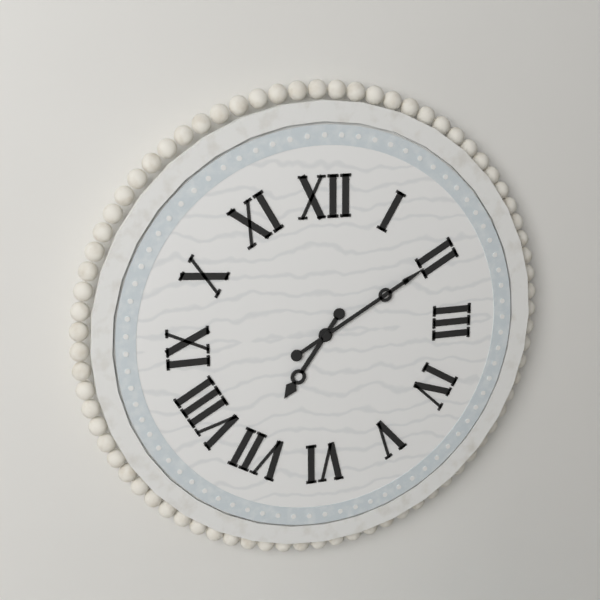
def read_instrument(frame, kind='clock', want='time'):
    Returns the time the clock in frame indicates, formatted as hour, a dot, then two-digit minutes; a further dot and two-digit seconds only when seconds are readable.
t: 7.10
